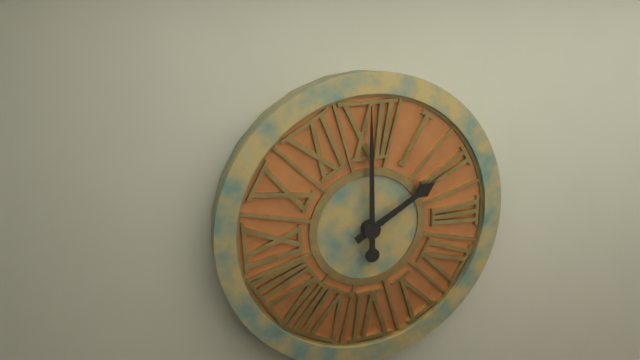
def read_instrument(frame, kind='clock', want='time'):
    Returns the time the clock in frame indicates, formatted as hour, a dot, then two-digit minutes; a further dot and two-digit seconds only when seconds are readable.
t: 2.00
